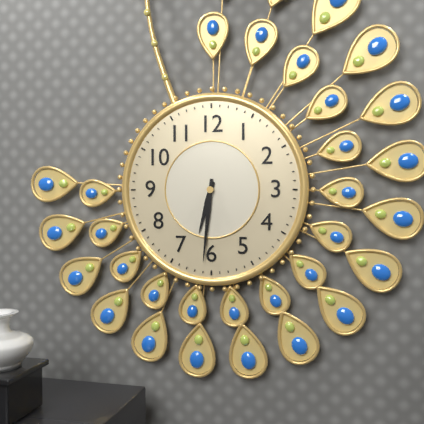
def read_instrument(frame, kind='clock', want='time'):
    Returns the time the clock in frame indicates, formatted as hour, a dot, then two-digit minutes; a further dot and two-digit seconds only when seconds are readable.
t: 6.31
